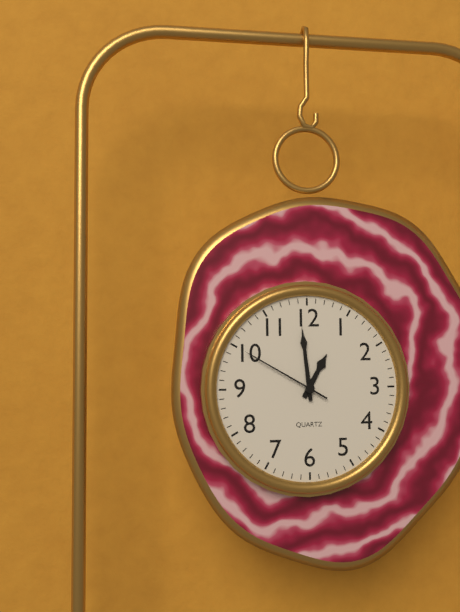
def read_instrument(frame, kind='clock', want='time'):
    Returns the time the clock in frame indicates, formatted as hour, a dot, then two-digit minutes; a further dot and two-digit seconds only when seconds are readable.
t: 12.59.50
